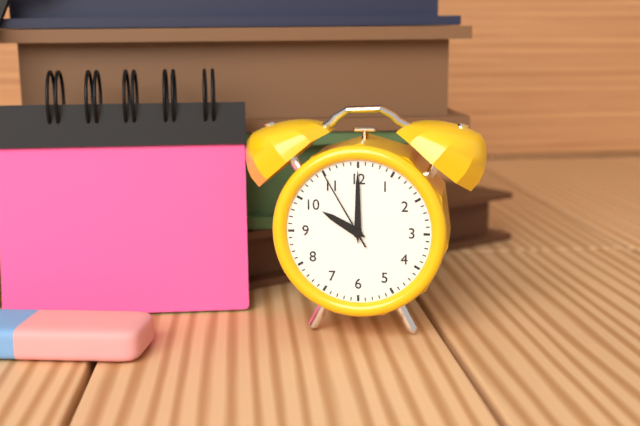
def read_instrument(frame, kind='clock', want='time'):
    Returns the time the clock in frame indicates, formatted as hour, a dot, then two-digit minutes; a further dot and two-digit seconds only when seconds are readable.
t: 10.00.55
